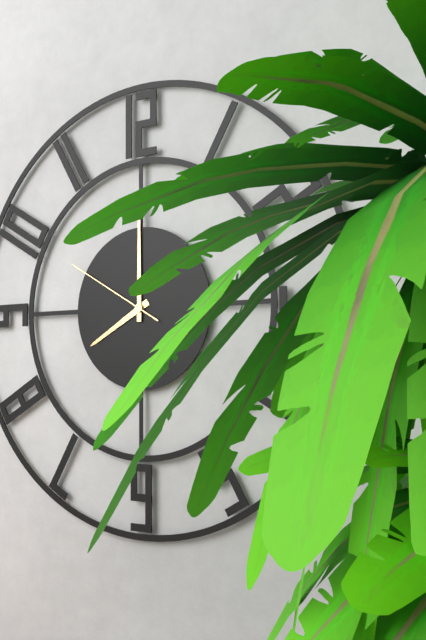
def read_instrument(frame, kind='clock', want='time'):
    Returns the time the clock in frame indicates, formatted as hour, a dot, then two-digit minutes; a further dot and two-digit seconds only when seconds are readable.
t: 8.00.50
